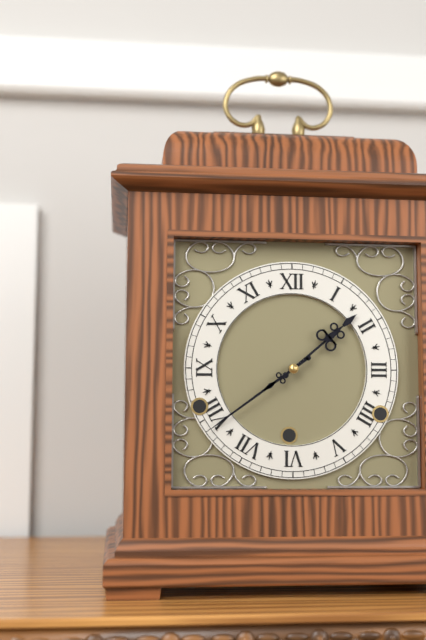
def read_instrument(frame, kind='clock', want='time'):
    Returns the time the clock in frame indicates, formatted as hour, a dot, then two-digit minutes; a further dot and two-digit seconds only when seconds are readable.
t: 1.39
